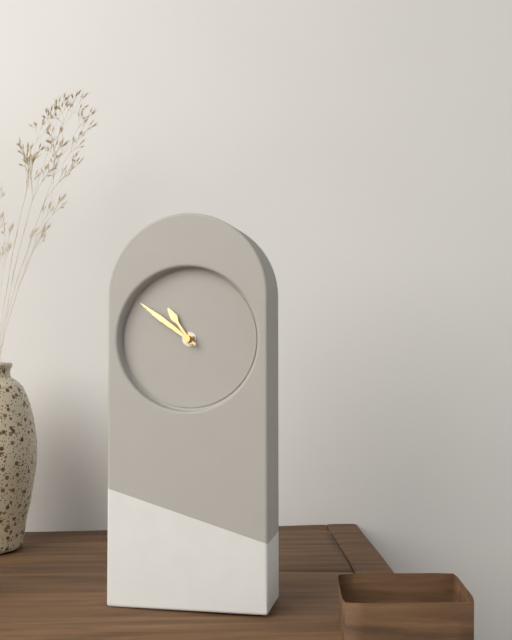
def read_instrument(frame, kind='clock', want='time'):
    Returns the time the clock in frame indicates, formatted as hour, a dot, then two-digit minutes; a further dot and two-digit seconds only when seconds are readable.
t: 10.51
